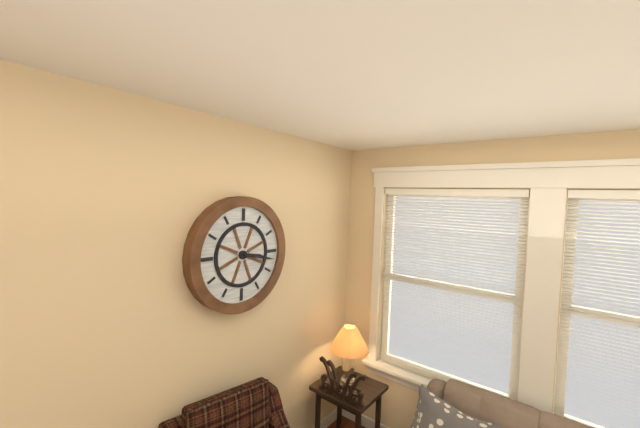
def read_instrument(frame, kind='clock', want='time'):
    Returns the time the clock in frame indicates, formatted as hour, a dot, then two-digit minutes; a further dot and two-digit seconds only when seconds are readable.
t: 3.17
